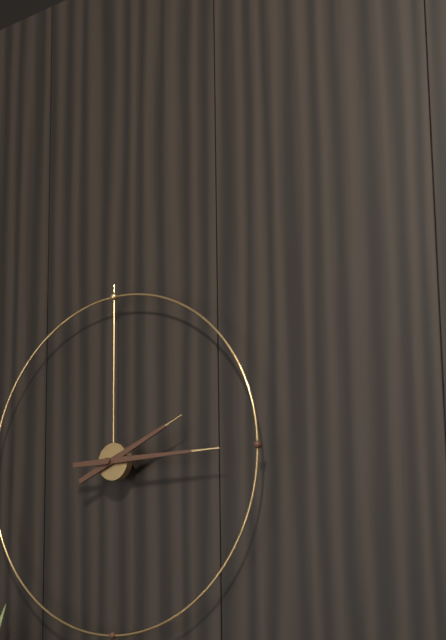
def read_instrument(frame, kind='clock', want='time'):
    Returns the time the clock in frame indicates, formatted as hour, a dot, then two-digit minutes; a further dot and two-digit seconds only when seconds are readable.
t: 2.15
